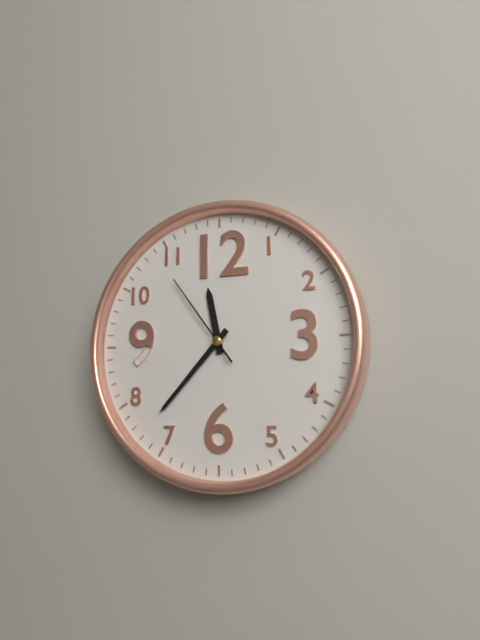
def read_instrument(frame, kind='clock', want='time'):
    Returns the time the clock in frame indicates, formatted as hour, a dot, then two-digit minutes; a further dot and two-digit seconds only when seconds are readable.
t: 11.37.54
